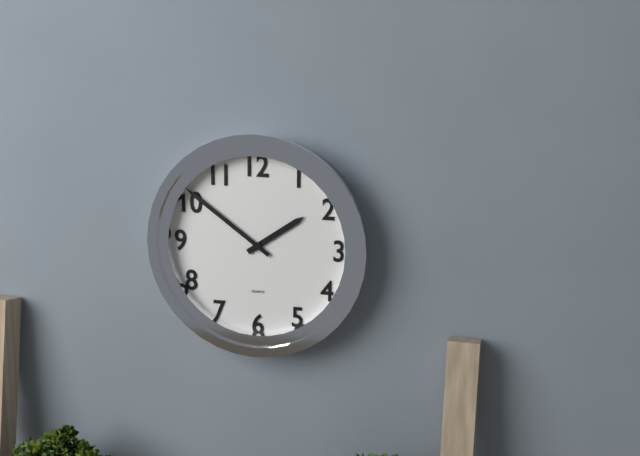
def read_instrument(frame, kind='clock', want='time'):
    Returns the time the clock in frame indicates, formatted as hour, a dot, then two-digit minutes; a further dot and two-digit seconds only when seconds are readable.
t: 1.51
